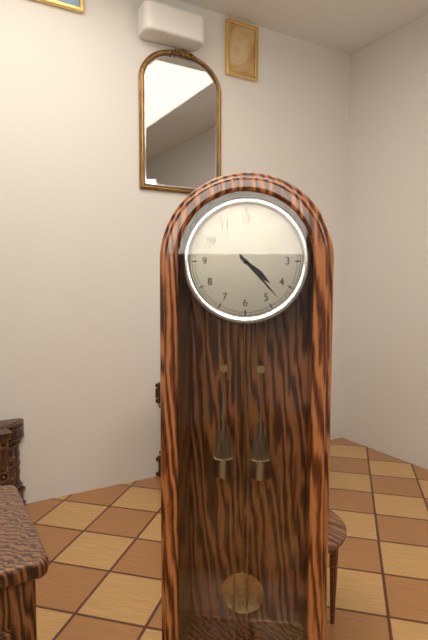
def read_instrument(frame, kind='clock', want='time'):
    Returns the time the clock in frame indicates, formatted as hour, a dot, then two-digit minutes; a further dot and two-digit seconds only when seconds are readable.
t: 4.23
